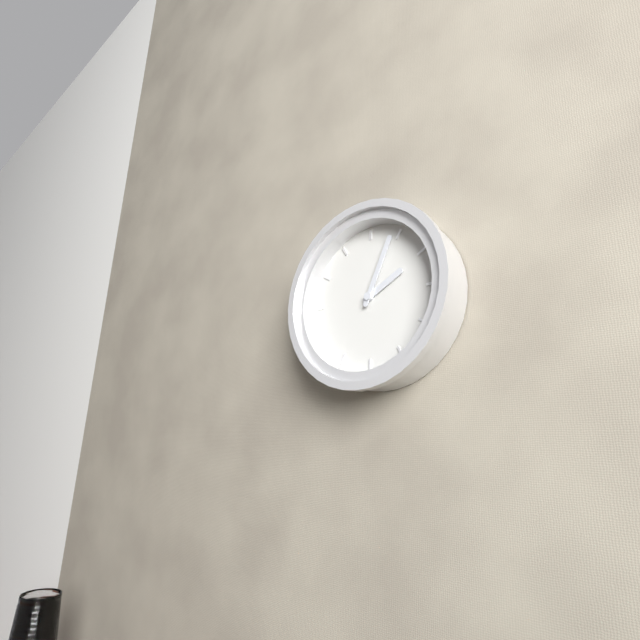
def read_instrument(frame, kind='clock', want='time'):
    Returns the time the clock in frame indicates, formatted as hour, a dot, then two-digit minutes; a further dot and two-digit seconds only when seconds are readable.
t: 2.04
